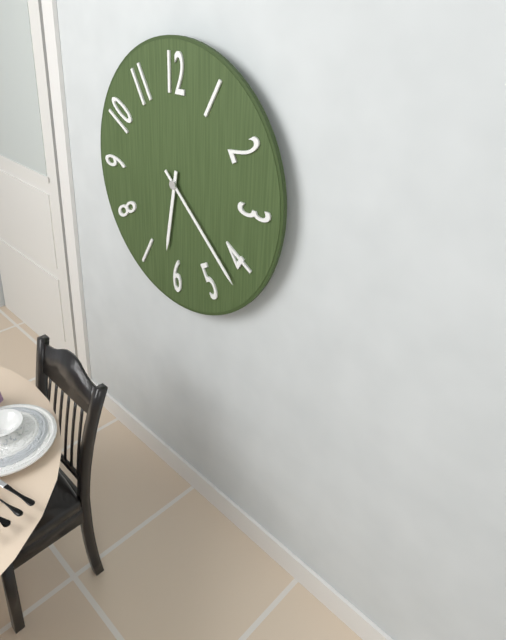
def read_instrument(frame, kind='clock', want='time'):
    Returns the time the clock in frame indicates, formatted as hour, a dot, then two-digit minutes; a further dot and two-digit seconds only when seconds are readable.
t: 6.22
